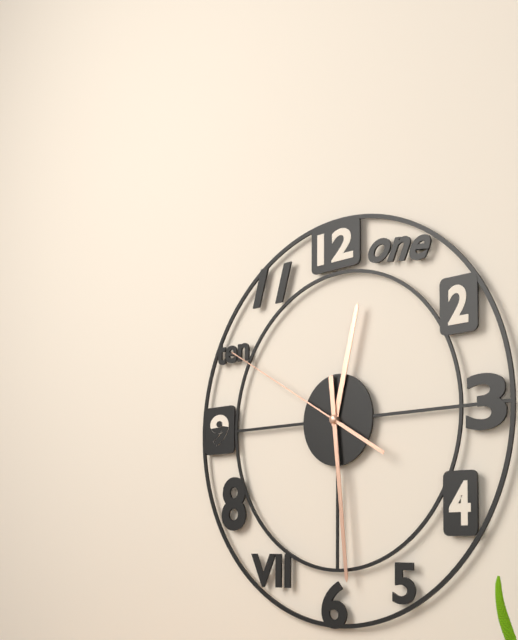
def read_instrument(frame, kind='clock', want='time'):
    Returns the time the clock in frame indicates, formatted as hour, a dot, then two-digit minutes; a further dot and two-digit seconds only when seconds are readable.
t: 12.29.50
